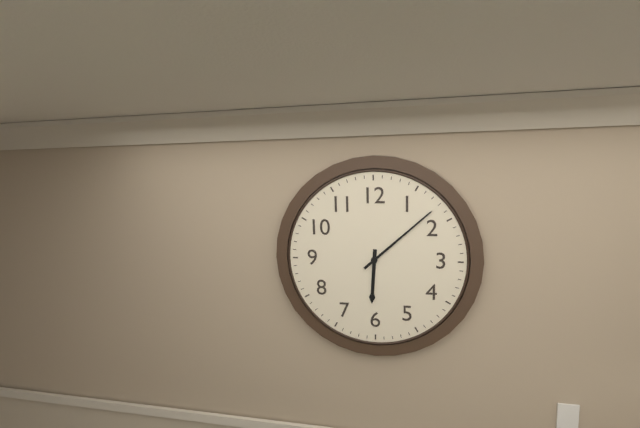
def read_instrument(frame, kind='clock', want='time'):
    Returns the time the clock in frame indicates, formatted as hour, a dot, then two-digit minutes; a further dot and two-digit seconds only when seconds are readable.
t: 6.08
